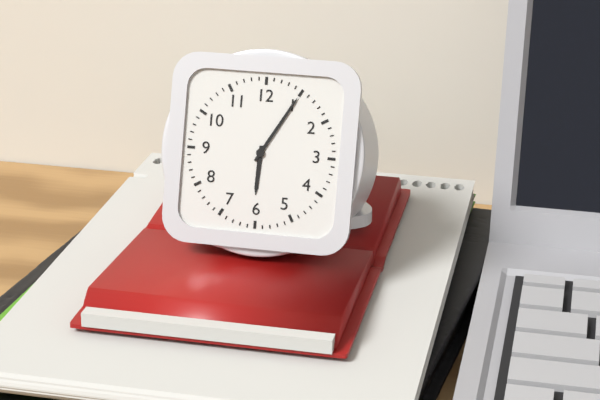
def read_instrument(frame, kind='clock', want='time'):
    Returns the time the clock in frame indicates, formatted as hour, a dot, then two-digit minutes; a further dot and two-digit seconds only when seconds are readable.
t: 6.05
